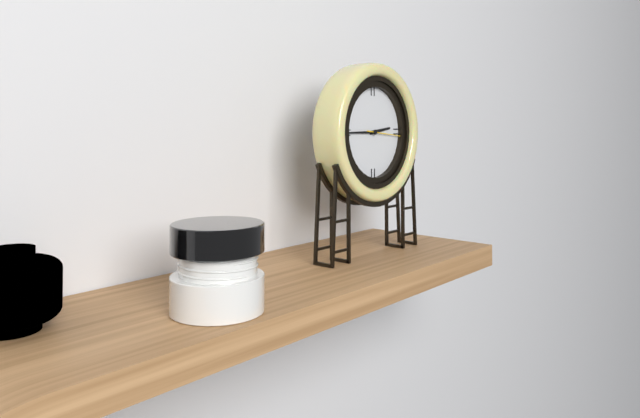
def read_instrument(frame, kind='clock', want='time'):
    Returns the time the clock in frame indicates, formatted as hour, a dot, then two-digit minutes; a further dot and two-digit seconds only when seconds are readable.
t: 2.45
